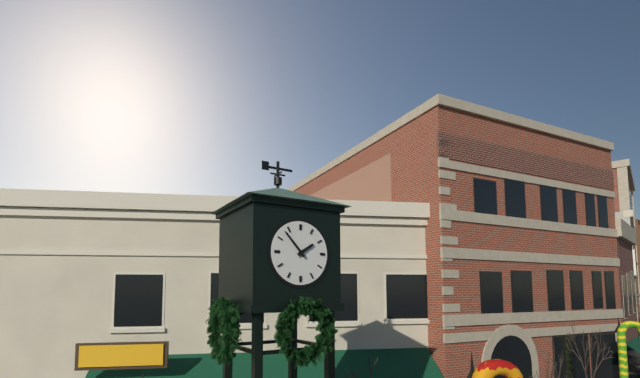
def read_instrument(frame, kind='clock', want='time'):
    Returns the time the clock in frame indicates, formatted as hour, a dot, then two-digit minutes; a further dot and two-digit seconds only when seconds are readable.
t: 1.53
